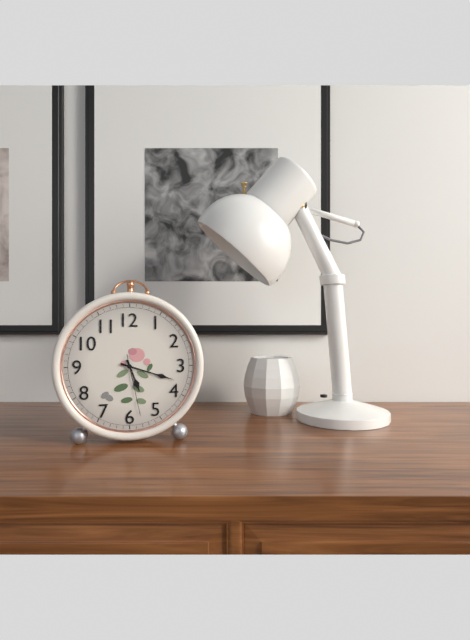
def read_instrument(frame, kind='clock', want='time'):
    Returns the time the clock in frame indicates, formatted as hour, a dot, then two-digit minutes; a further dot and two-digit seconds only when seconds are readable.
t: 5.18.28
